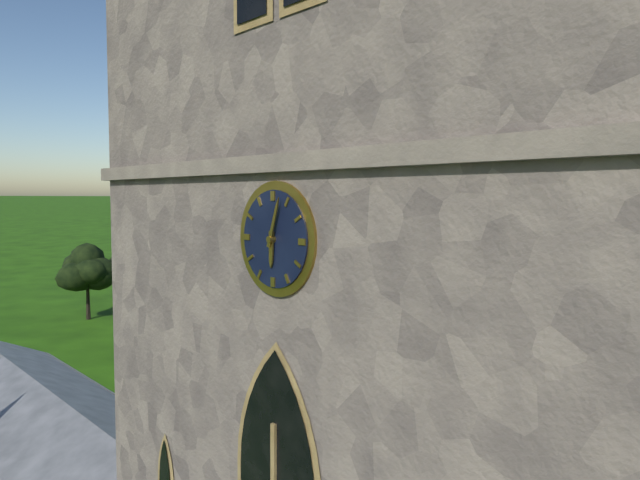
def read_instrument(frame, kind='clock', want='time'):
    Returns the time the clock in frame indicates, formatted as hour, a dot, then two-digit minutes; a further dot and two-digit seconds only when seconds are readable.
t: 6.03
